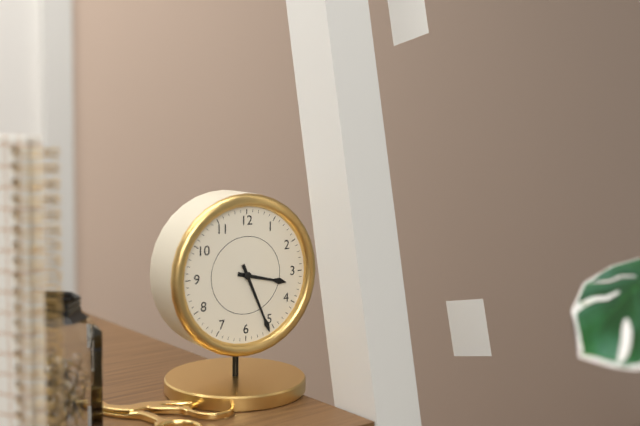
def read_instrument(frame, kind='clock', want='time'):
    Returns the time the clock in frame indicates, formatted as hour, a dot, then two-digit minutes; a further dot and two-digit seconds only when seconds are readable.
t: 3.26
